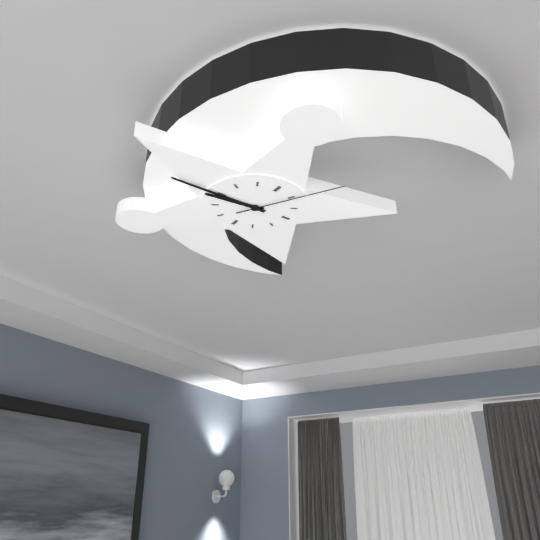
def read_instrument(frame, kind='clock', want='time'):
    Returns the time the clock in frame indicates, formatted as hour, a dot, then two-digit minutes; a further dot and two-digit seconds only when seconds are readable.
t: 8.45.05
